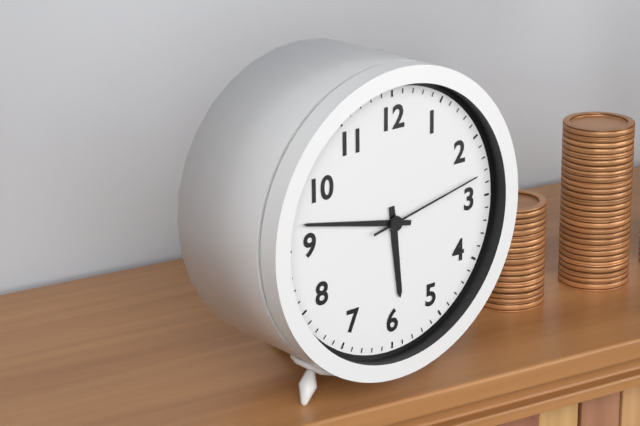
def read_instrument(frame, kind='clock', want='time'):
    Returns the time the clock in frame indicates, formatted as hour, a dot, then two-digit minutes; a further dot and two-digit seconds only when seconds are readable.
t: 5.47.13
